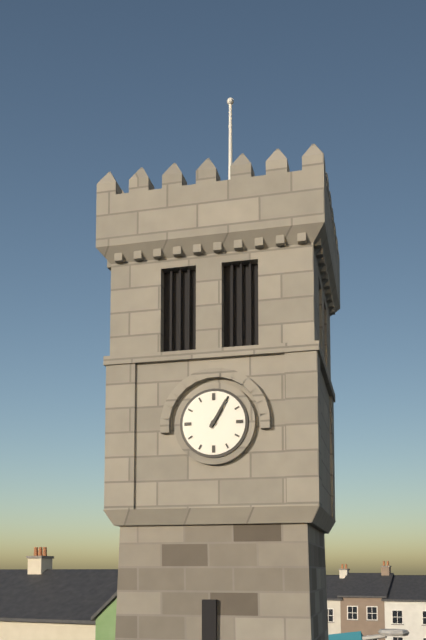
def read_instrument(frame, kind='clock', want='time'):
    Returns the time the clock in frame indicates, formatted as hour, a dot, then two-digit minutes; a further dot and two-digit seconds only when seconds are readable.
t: 1.05
